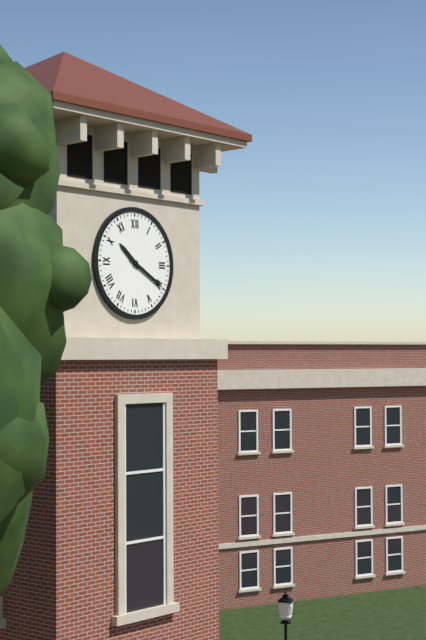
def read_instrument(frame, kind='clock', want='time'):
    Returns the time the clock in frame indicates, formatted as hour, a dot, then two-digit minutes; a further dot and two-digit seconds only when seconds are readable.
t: 10.20
